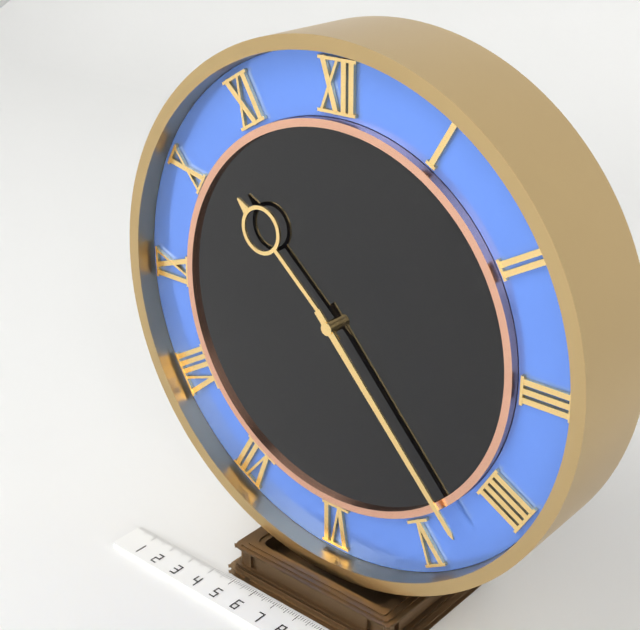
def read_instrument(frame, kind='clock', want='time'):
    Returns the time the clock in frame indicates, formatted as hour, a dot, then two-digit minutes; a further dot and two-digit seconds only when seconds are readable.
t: 10.23
